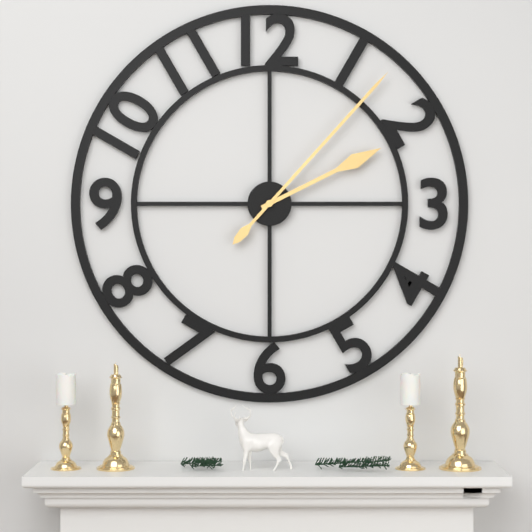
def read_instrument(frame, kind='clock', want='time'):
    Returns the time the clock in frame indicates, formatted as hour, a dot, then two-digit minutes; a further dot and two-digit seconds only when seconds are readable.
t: 2.07
